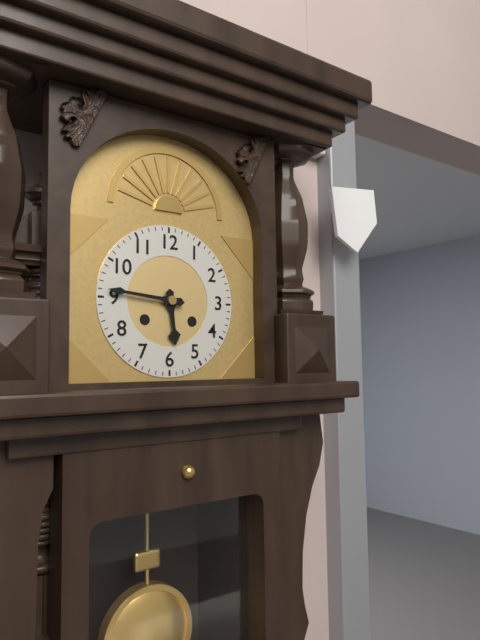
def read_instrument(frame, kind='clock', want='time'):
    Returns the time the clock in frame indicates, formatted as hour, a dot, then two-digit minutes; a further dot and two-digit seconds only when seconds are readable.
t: 5.46
